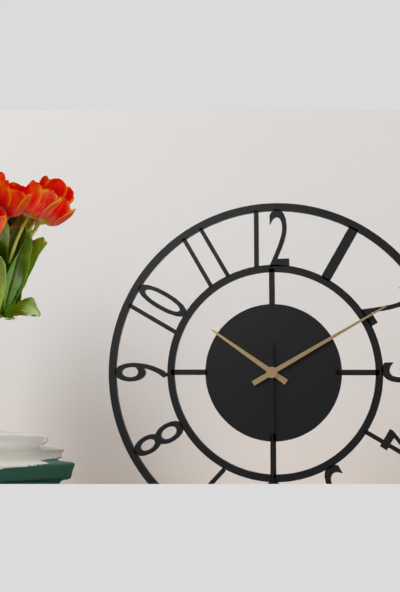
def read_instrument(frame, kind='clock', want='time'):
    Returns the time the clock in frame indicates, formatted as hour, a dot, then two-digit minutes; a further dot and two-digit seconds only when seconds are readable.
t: 10.10.30
